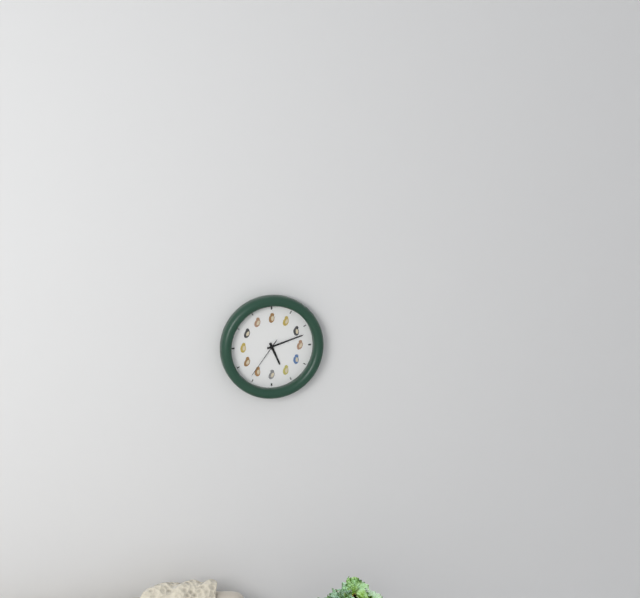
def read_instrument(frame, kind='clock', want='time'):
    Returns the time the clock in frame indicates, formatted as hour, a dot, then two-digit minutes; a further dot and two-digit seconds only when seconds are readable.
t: 5.12
